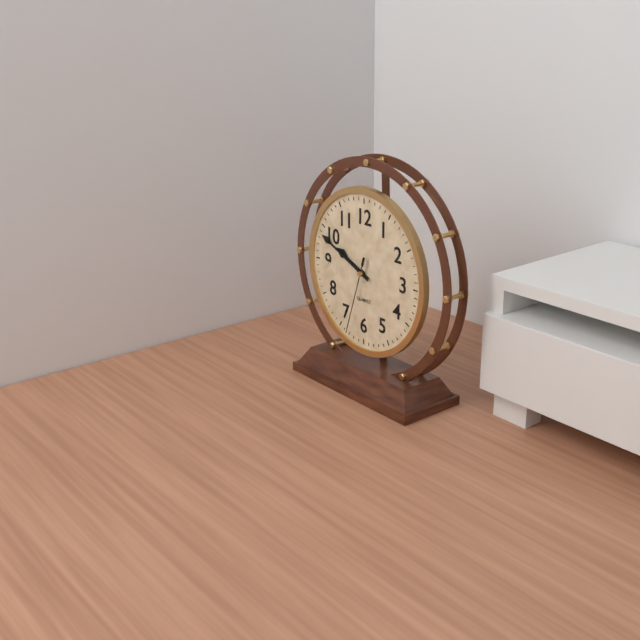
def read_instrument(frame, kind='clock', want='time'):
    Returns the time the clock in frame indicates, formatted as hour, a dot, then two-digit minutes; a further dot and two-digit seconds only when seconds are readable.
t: 9.49.33
